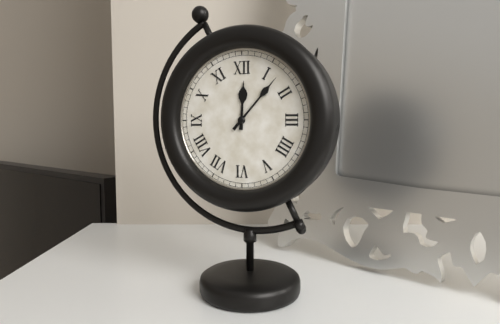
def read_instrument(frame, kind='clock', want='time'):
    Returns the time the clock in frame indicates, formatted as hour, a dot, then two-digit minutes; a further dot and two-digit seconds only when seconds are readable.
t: 12.07
